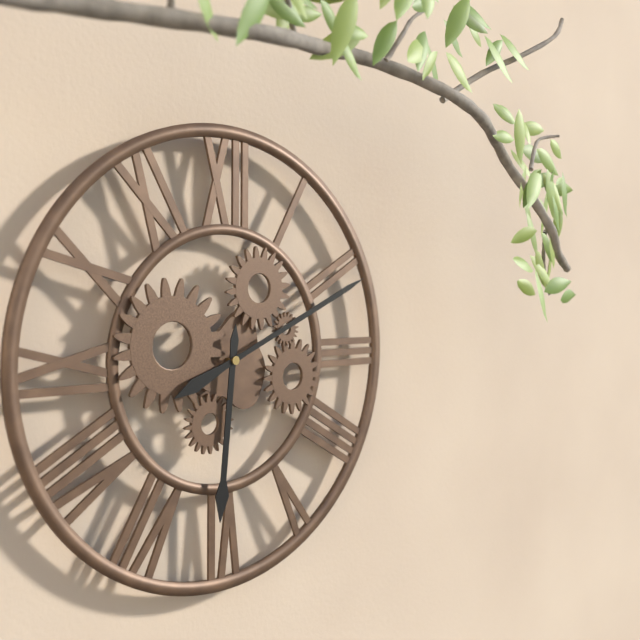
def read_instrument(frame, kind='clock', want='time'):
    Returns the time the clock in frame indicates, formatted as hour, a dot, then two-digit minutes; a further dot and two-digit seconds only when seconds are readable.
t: 6.11
